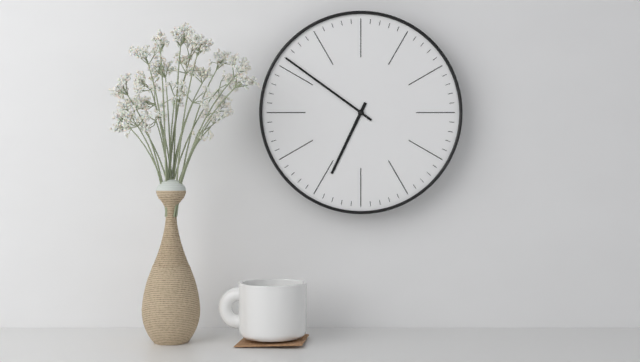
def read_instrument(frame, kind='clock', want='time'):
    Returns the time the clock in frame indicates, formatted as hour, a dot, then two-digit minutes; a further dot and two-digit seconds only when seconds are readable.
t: 6.51
